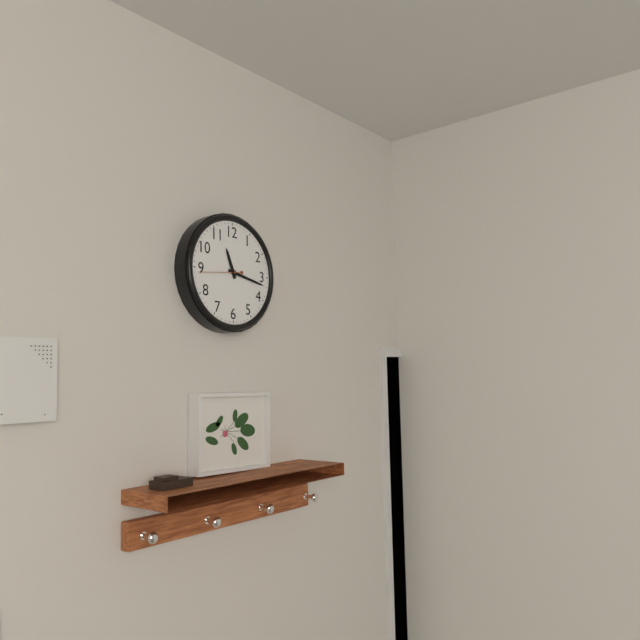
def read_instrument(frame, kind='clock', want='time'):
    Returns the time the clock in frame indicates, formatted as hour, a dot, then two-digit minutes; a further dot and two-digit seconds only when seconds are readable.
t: 11.17
